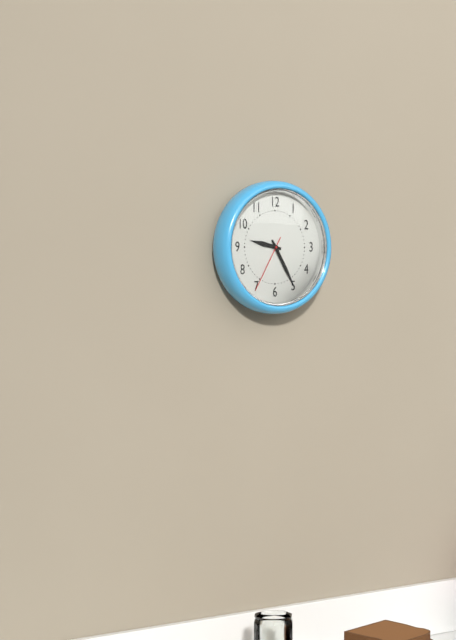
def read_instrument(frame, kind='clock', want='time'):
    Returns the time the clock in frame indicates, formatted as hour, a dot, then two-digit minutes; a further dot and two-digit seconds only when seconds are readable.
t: 9.25.35
